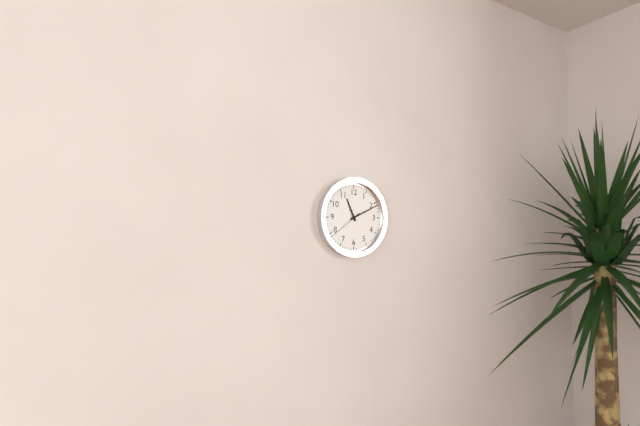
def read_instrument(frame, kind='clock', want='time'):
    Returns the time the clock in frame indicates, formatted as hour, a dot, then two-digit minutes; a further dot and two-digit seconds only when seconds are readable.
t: 11.11
